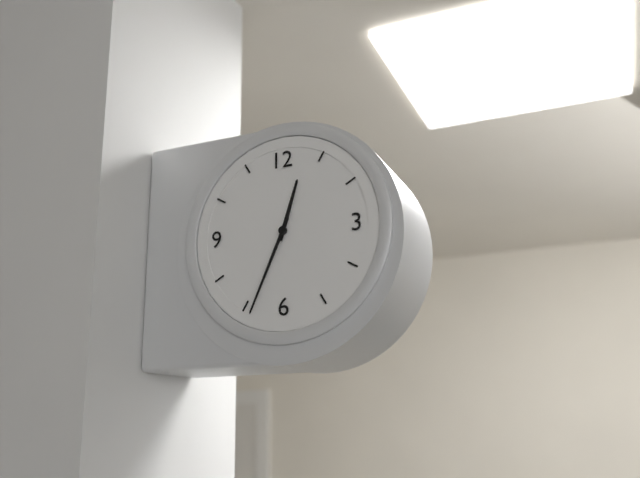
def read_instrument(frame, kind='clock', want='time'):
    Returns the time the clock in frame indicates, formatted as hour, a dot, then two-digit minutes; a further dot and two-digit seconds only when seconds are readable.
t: 12.34
